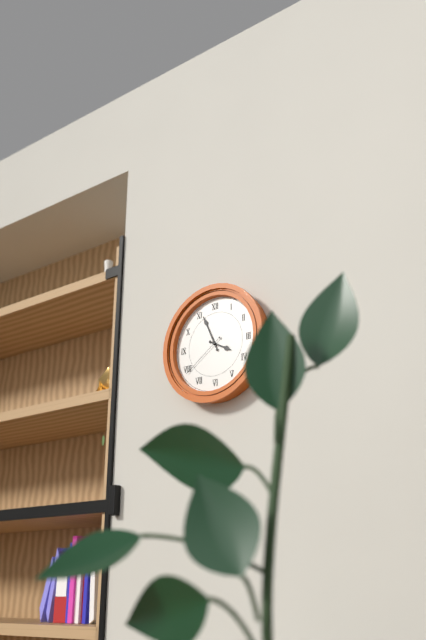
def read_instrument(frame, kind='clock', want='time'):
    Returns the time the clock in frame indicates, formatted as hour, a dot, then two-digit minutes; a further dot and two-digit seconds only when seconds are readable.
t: 3.56.39
